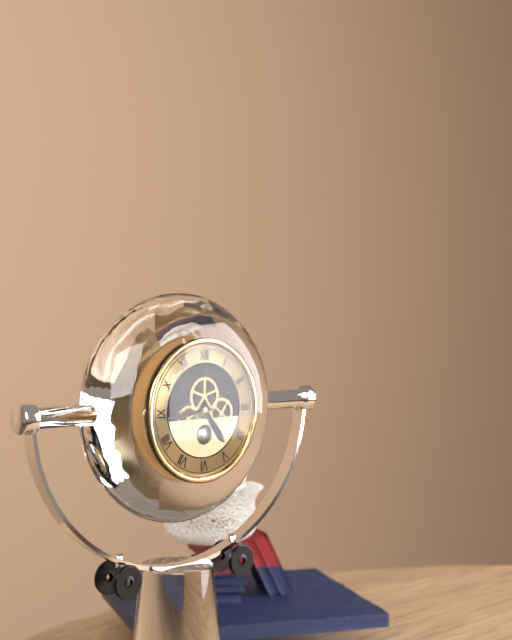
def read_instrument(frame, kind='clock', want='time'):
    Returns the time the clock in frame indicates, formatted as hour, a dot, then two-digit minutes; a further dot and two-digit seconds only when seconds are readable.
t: 4.44
